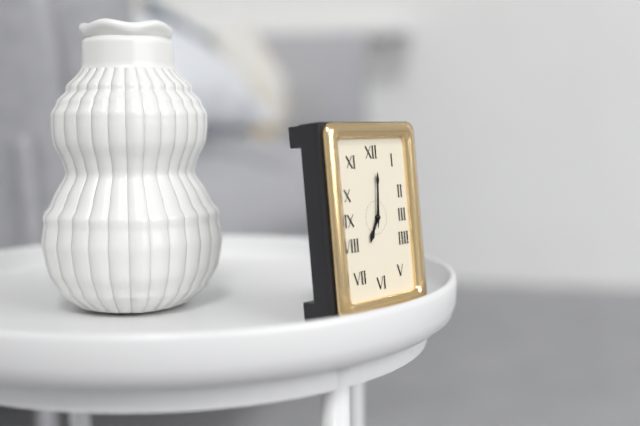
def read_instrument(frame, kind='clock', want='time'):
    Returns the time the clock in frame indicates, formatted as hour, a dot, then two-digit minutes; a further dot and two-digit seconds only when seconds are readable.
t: 7.01
